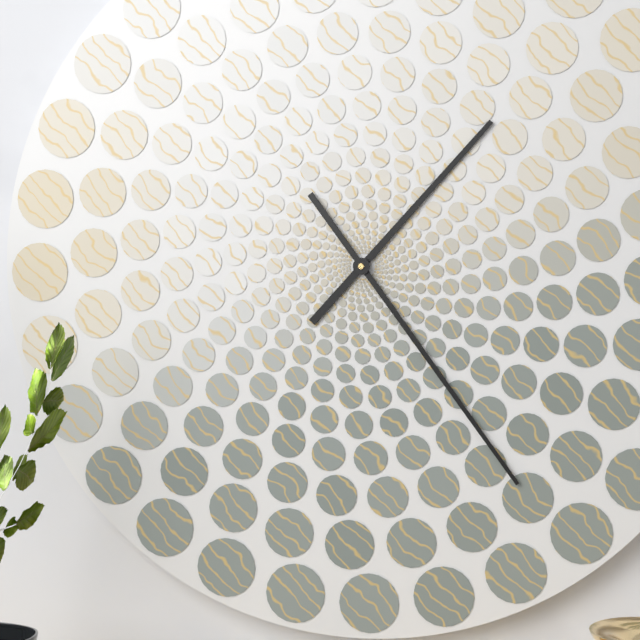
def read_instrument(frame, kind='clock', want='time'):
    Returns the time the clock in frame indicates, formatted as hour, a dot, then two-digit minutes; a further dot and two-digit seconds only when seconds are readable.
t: 1.24
